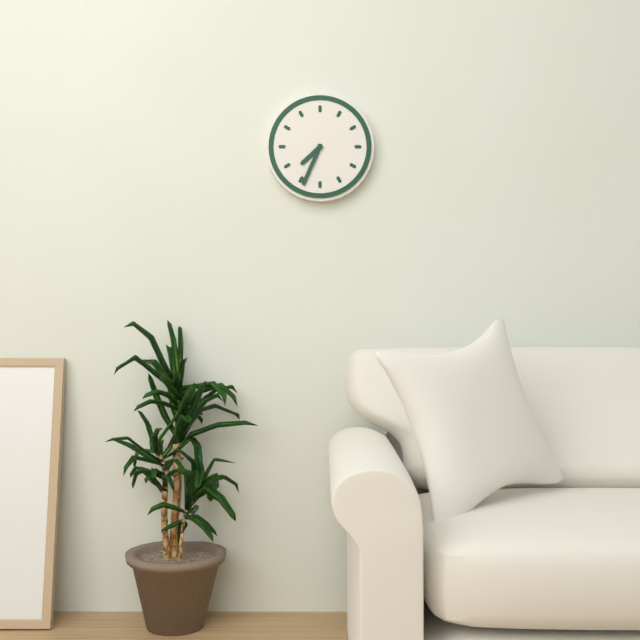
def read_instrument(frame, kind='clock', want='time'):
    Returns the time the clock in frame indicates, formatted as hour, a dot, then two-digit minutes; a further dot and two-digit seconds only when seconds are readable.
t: 7.34
